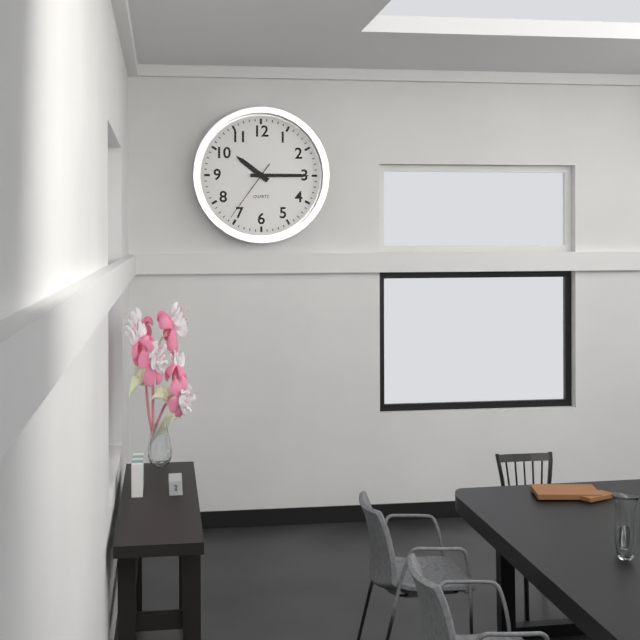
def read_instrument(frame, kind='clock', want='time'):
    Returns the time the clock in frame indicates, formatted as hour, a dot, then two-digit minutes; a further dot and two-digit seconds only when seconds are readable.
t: 10.15.36
